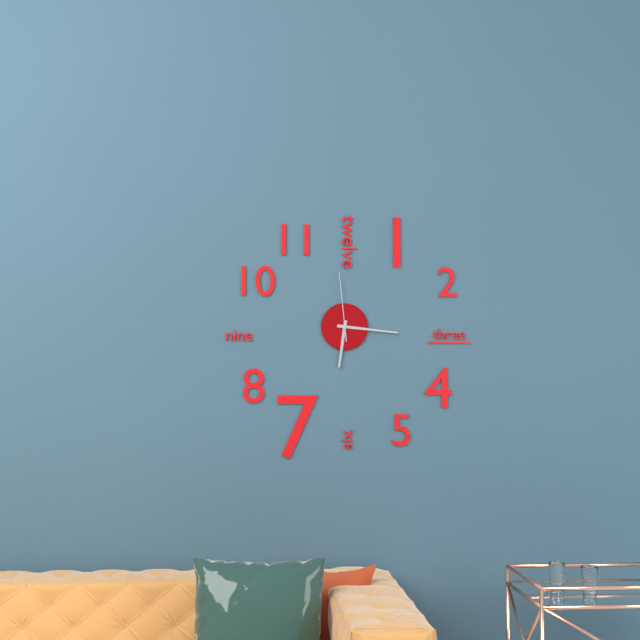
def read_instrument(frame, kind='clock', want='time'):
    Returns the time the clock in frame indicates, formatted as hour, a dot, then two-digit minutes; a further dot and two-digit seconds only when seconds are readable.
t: 6.16.59
